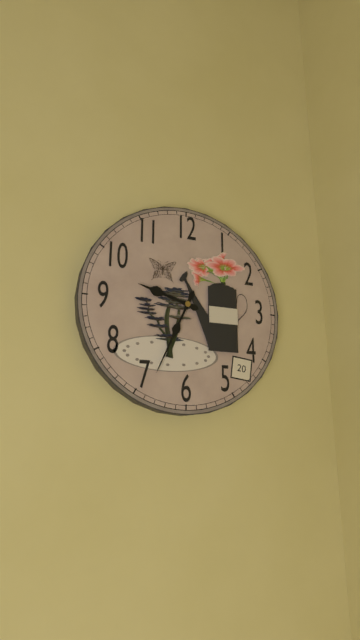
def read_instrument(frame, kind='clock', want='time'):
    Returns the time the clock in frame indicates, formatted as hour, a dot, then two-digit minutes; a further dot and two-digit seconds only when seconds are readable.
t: 9.34
